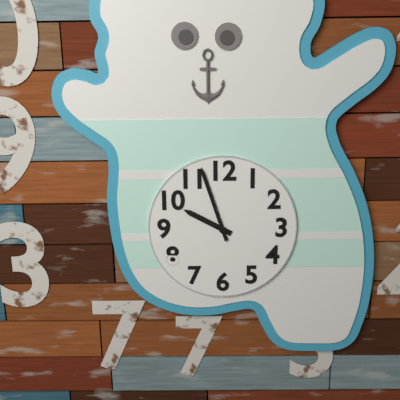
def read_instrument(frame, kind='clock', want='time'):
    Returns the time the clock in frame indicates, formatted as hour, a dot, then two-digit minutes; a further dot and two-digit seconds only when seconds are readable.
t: 9.57
